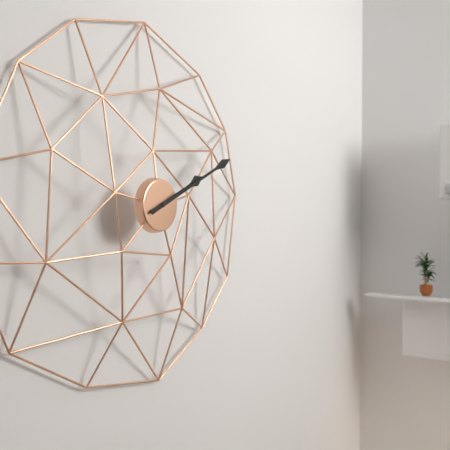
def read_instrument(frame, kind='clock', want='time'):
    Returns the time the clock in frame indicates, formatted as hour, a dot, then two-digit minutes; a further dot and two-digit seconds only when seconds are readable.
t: 2.11
